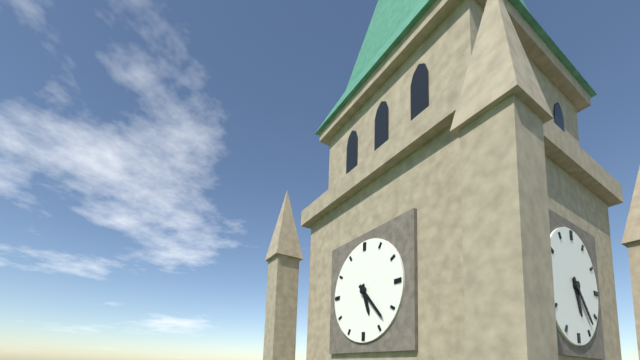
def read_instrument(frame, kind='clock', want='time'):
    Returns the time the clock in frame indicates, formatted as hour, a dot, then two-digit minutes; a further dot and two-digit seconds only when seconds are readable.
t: 5.23
